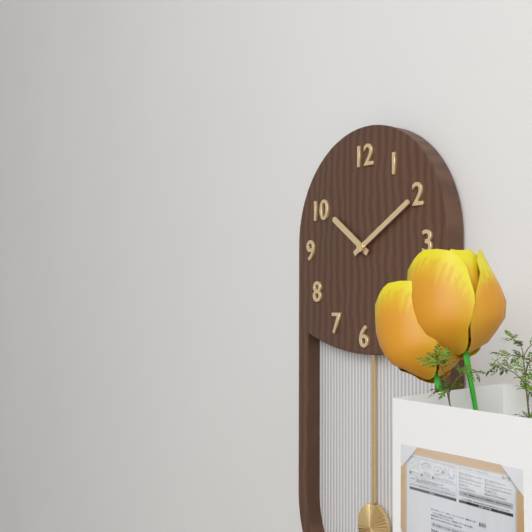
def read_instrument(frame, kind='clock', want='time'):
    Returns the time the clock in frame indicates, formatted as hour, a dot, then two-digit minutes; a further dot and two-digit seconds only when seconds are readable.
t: 10.10
